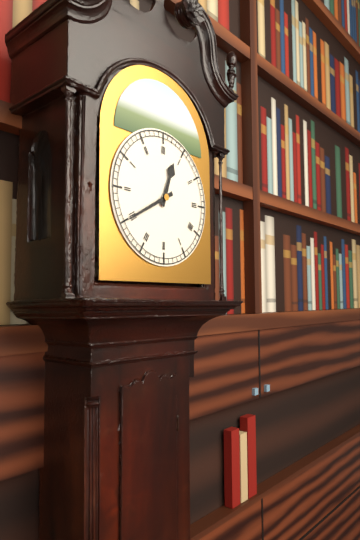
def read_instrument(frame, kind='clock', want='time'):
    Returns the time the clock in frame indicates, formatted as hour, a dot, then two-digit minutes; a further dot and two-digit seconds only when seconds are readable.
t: 12.40
